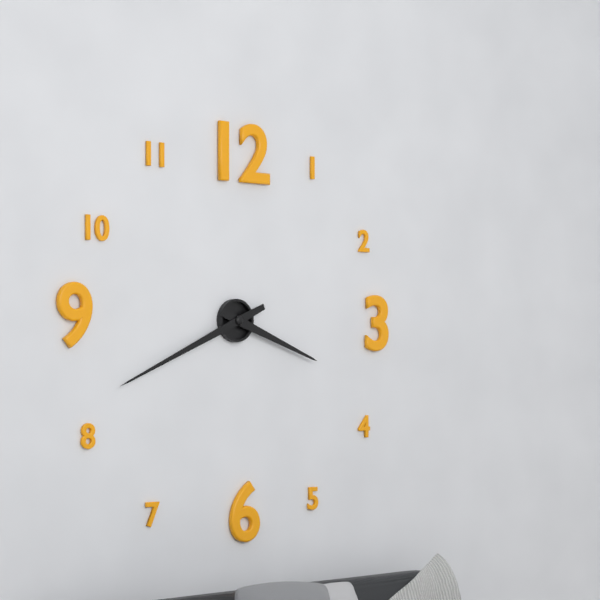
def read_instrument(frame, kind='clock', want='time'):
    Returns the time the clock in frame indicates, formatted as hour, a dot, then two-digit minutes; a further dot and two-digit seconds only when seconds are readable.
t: 3.41
